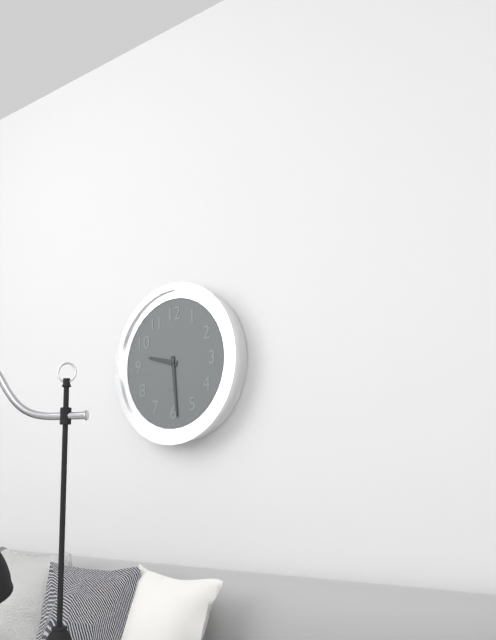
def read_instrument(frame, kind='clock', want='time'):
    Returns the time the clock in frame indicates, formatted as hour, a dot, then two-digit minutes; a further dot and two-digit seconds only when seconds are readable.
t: 9.29
